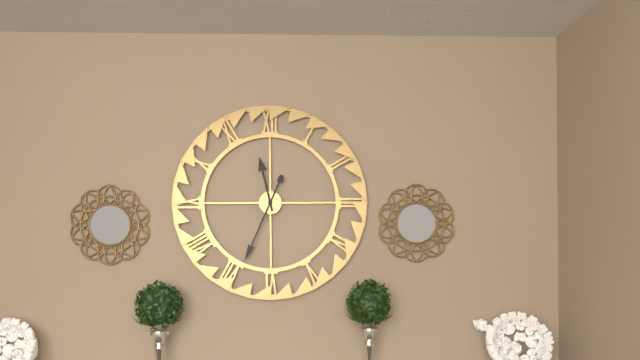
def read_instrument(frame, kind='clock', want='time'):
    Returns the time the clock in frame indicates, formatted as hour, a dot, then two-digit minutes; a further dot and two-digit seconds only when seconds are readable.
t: 11.34
